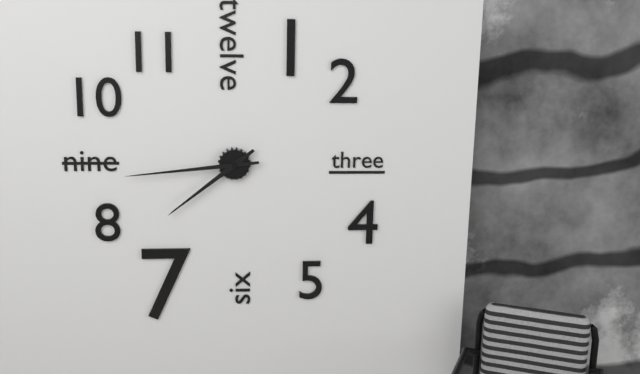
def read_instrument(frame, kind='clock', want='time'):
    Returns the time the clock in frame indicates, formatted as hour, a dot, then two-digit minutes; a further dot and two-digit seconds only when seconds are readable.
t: 7.44
